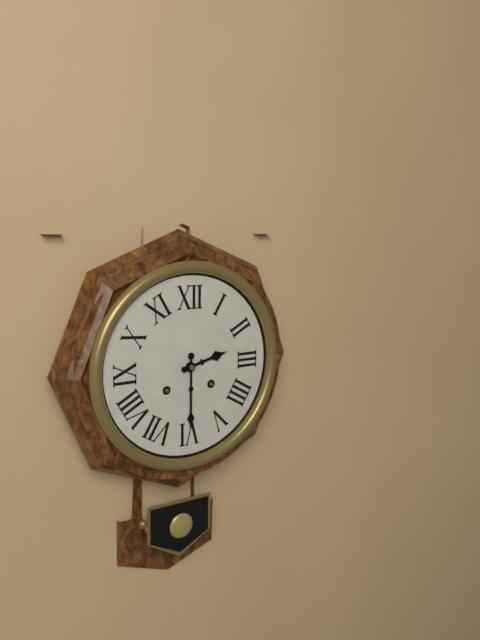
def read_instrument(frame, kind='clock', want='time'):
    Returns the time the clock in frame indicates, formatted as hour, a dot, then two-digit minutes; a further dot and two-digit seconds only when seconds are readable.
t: 2.30
